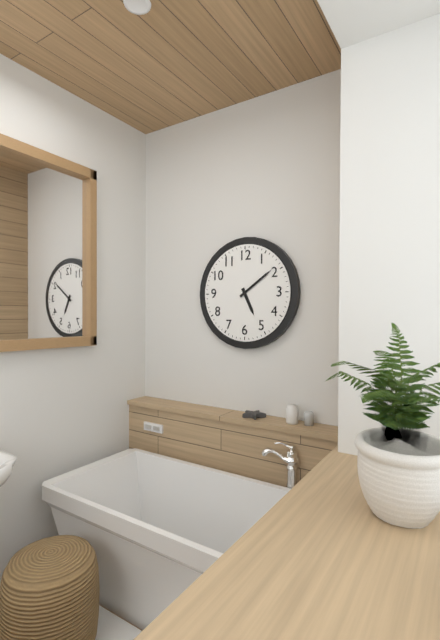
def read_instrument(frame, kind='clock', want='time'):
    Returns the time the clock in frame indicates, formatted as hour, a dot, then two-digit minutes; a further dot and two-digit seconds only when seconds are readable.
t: 5.09
